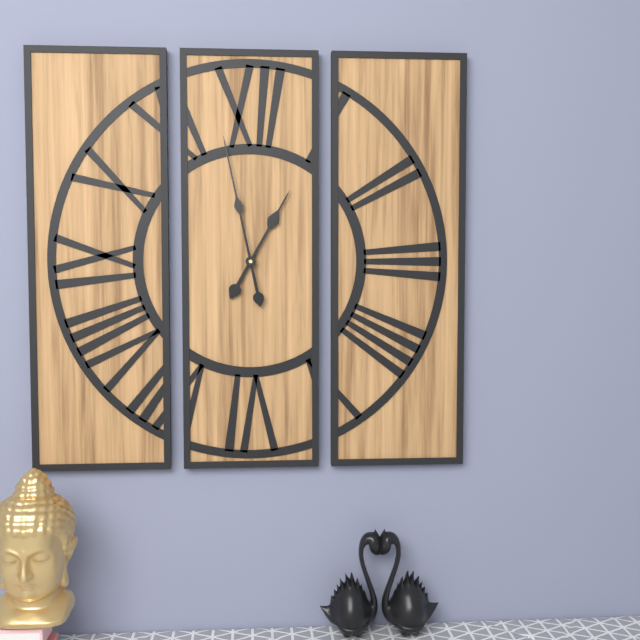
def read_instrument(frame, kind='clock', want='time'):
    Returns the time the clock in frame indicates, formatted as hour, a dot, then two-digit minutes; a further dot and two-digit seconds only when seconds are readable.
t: 12.58
